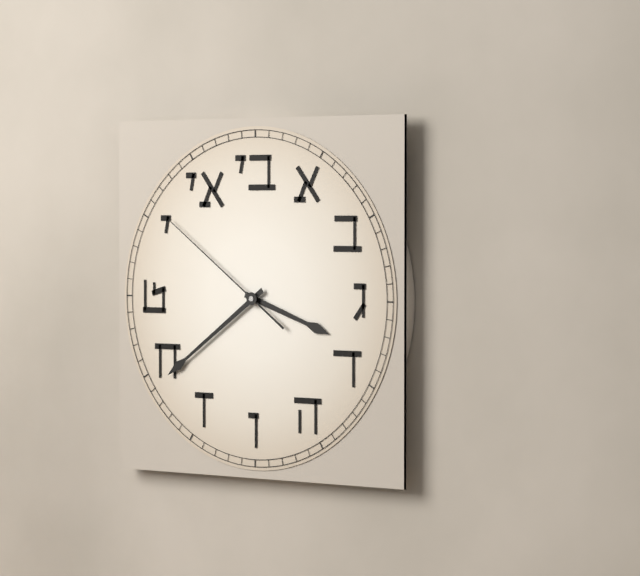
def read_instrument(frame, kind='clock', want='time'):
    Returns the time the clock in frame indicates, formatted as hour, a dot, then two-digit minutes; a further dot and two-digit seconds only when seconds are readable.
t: 3.39.51
